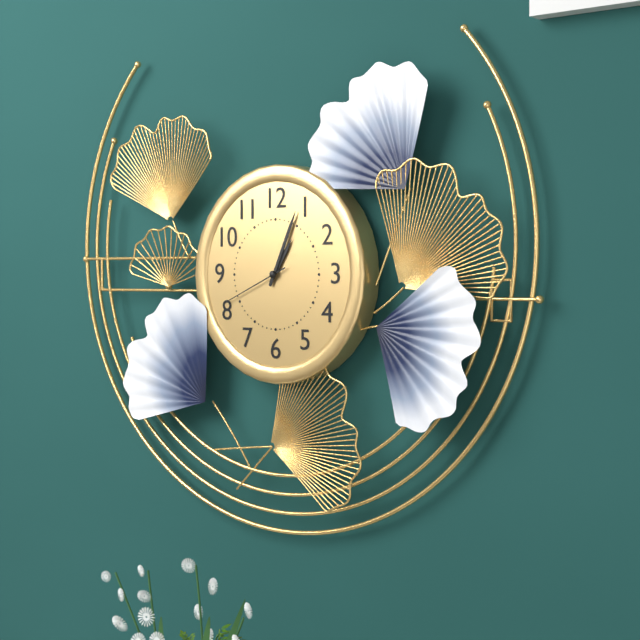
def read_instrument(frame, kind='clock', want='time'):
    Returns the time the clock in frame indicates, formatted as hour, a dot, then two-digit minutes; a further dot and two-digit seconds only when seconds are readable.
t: 1.04.41
